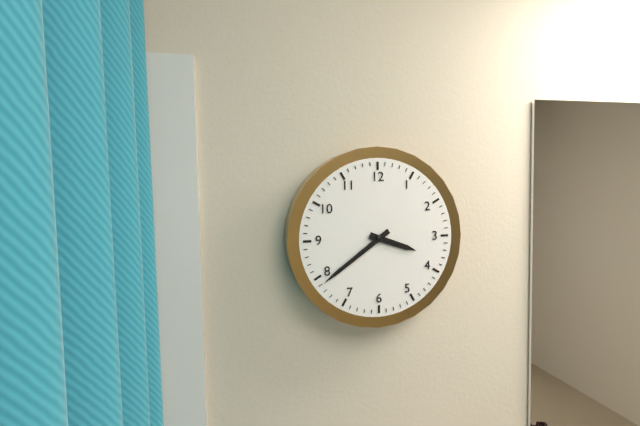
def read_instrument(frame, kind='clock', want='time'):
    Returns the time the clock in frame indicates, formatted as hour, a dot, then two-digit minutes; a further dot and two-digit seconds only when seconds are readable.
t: 3.39
